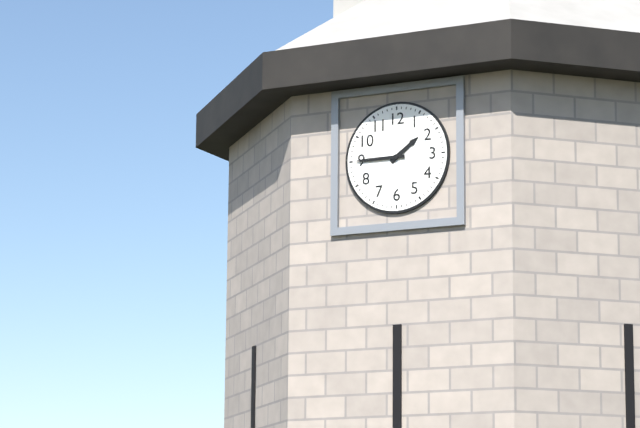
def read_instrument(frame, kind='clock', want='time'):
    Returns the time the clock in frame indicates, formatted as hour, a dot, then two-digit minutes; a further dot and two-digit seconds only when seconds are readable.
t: 1.45
